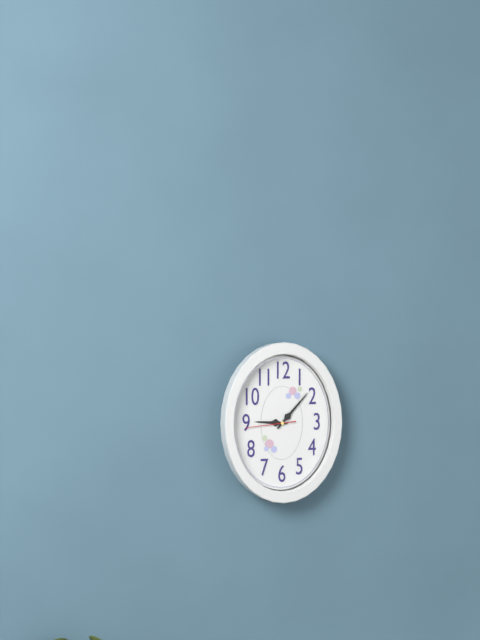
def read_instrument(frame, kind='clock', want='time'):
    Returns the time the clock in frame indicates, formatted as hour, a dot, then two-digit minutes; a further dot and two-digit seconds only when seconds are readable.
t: 9.07
